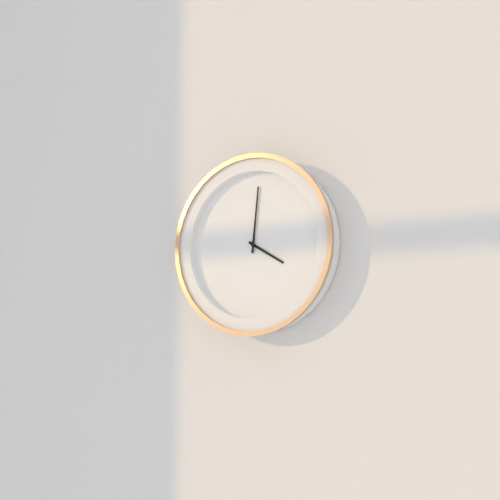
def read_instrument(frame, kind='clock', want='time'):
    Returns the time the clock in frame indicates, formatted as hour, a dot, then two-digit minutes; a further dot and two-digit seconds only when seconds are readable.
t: 4.01
